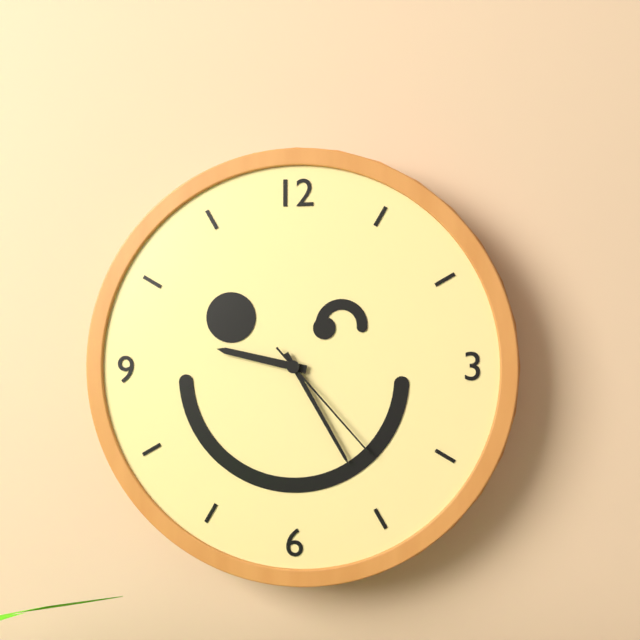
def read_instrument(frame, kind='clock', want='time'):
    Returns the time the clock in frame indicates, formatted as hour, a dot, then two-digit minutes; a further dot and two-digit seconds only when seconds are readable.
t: 9.25.23
